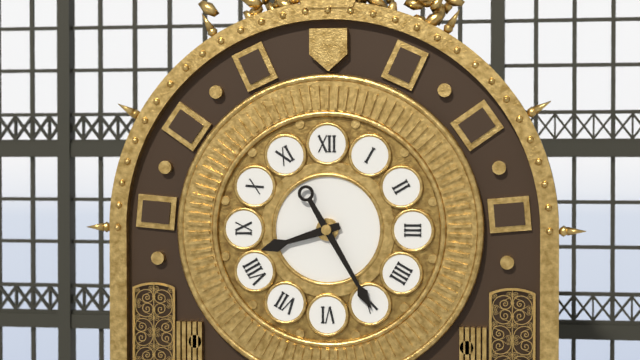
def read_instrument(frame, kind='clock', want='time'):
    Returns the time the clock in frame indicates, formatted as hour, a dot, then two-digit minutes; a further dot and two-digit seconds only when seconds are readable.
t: 8.25
